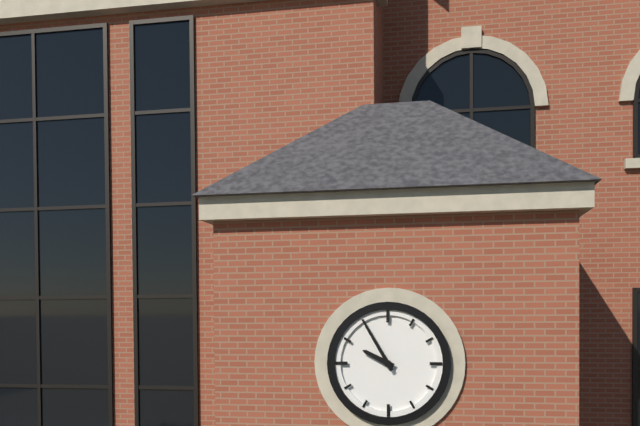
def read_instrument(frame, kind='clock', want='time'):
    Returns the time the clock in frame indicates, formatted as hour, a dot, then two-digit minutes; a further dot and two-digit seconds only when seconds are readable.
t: 9.55
